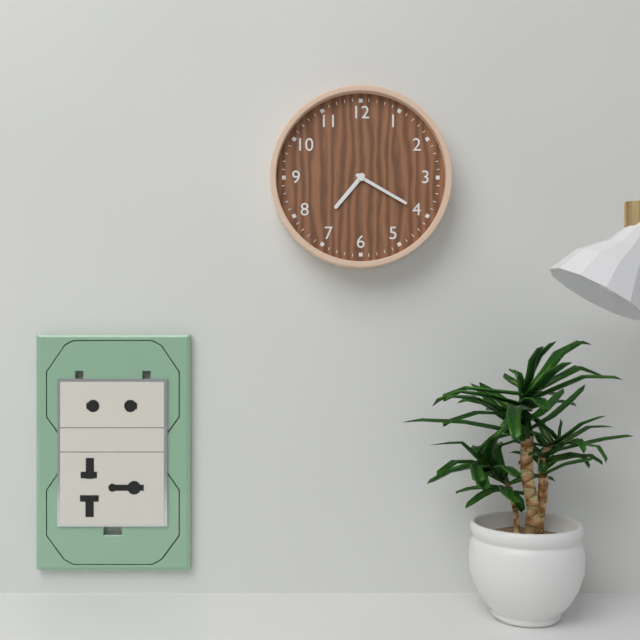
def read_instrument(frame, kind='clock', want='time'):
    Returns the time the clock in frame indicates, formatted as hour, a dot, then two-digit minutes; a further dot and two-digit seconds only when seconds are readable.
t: 7.20
